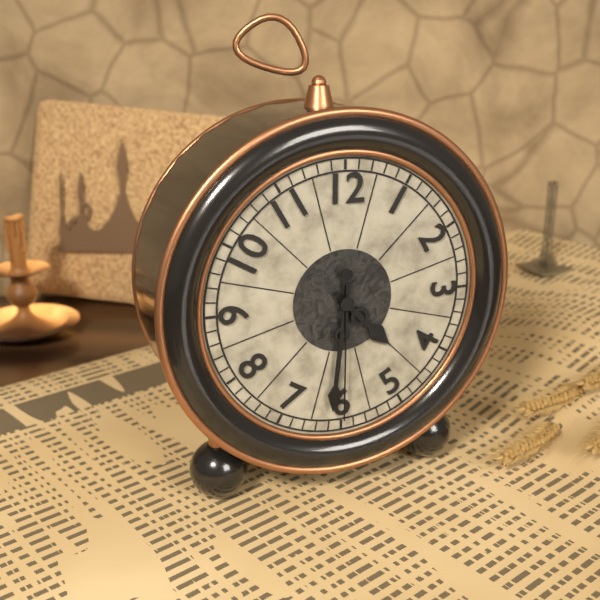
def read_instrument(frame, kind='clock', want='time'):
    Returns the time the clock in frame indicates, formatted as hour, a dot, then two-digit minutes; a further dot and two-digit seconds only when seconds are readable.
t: 4.31.30
